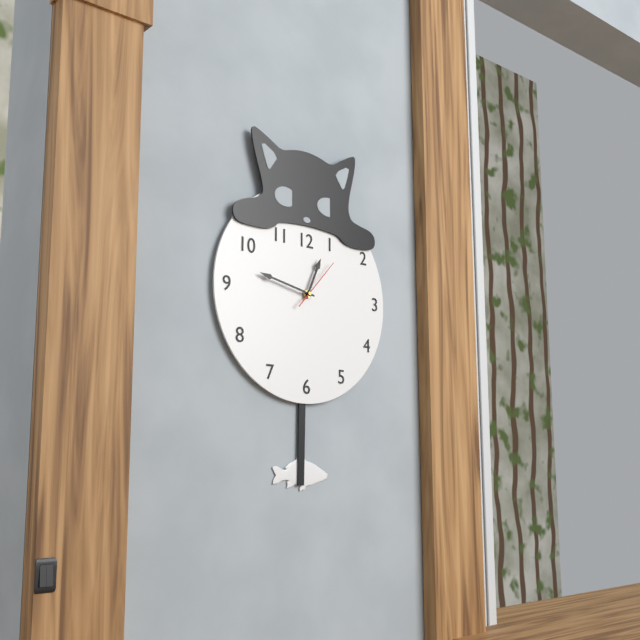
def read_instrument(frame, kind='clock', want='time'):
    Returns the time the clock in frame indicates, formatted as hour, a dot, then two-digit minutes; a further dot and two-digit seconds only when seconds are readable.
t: 12.47.07
